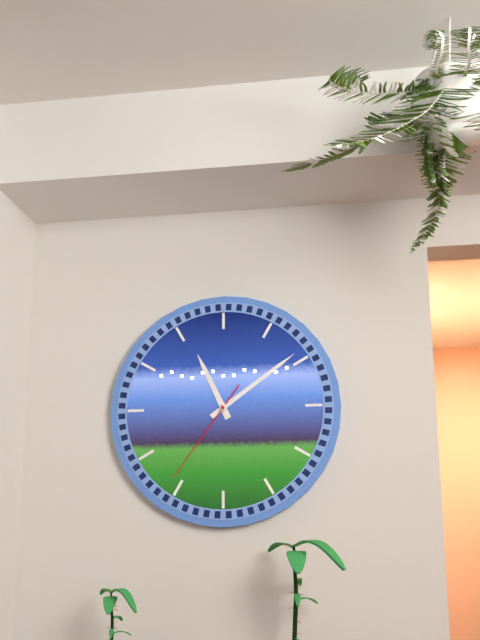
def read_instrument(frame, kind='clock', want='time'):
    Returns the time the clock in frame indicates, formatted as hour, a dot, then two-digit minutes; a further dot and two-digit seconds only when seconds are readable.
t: 11.09.36
